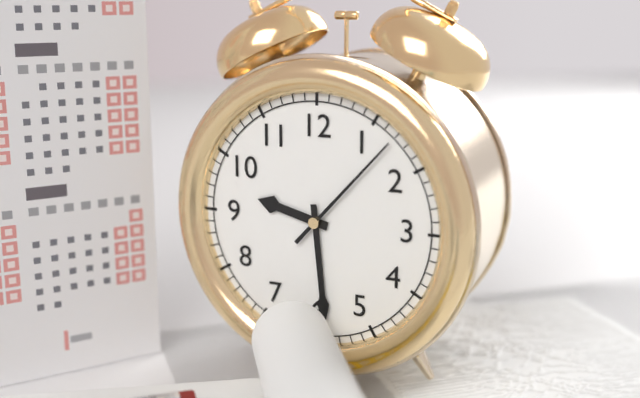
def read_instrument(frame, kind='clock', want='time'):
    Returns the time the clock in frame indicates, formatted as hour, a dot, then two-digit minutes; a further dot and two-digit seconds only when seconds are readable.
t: 9.29.07
